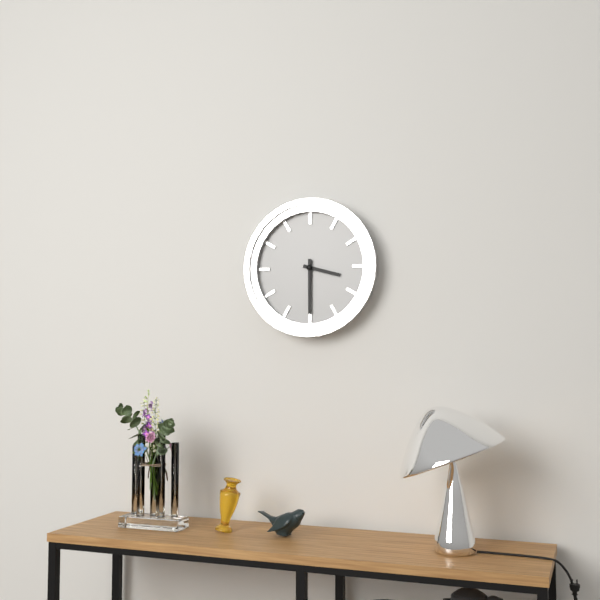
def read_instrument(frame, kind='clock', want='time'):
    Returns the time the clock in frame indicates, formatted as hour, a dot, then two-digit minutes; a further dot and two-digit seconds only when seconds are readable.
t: 3.30
